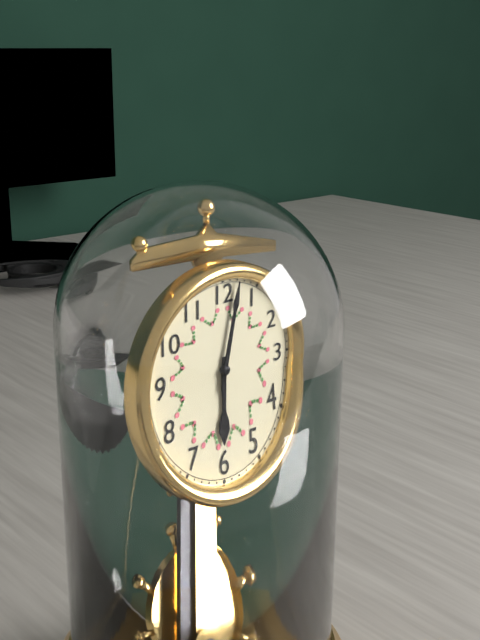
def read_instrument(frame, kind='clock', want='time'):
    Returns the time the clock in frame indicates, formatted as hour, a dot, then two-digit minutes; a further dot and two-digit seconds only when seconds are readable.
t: 6.02
